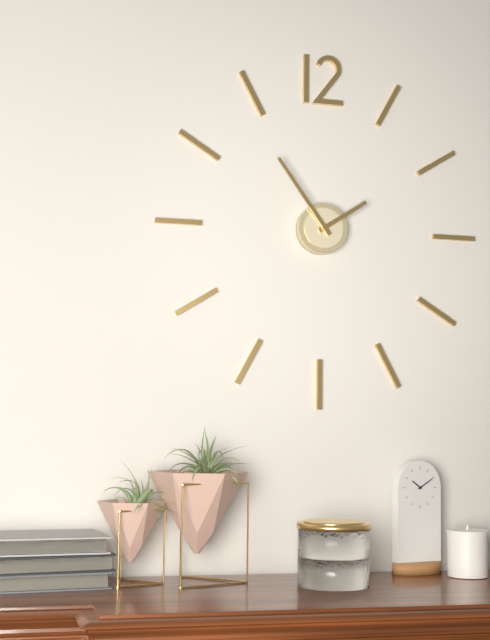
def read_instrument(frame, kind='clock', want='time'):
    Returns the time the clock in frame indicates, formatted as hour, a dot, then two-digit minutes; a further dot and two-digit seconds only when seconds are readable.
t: 1.54
